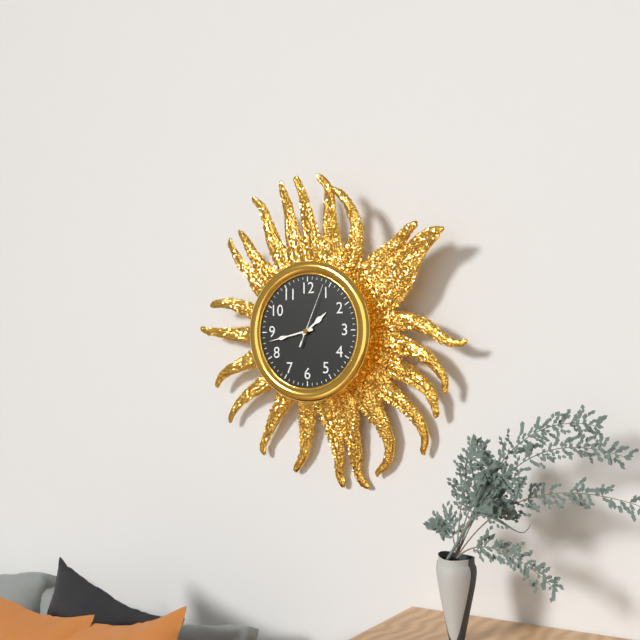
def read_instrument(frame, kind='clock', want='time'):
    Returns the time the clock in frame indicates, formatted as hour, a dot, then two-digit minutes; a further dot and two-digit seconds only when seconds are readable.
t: 1.43.04
